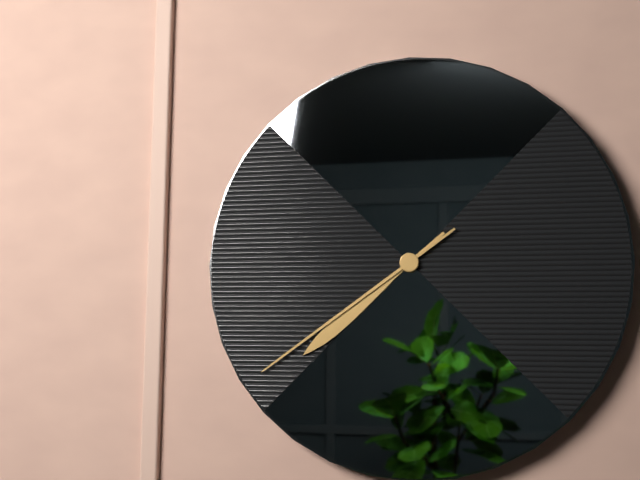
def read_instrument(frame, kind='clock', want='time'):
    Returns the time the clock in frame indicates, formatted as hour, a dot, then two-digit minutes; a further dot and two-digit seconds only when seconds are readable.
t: 7.39
